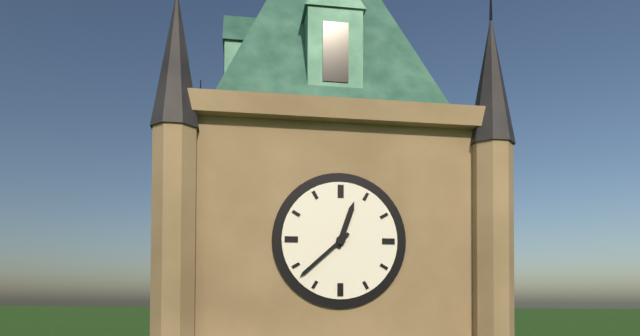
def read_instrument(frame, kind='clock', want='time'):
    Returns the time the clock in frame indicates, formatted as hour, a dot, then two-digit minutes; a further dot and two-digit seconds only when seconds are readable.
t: 12.38
